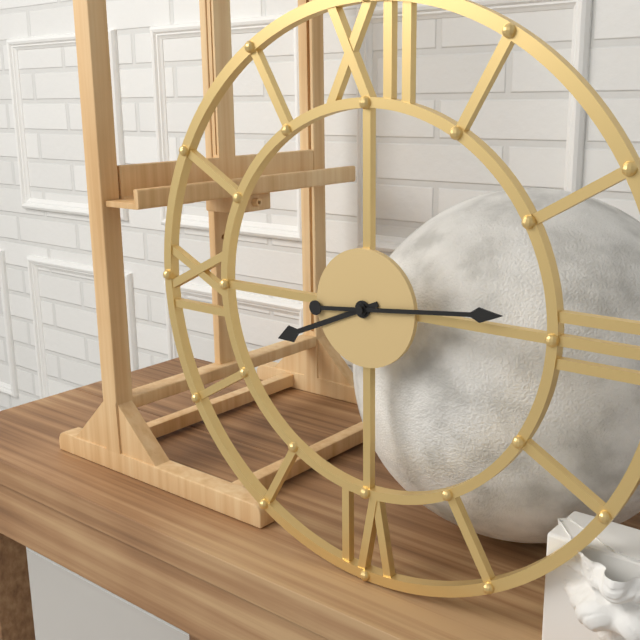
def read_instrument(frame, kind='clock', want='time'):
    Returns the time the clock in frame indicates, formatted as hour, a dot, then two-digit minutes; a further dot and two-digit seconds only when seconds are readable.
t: 8.14
